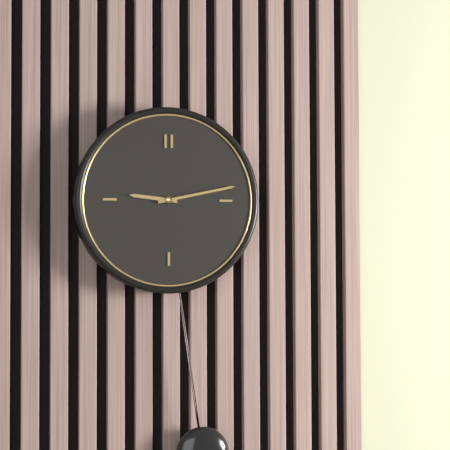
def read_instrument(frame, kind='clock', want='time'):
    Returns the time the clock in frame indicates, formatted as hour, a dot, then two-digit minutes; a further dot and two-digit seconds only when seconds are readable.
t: 9.13
